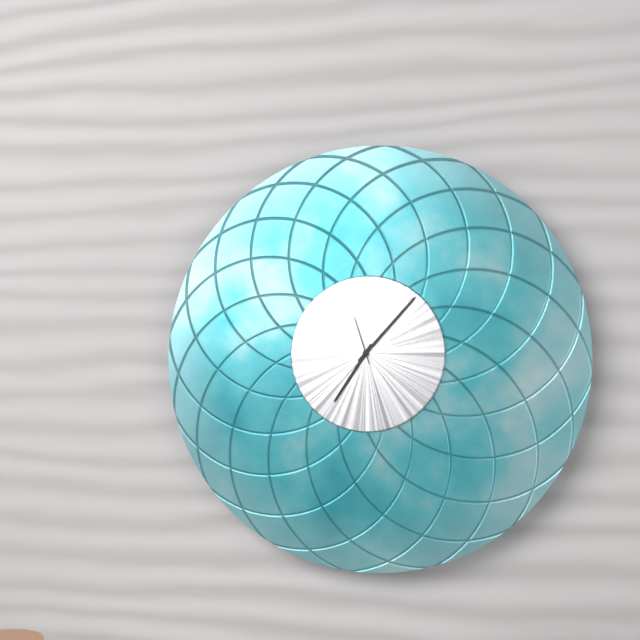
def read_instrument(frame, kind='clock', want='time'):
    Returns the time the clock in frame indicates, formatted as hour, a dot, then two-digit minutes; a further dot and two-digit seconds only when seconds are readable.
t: 7.07
